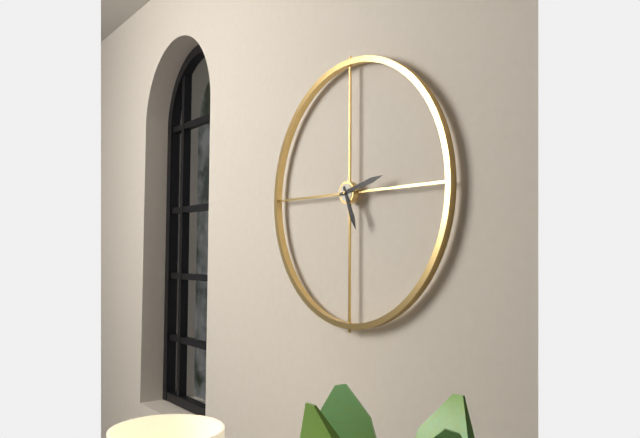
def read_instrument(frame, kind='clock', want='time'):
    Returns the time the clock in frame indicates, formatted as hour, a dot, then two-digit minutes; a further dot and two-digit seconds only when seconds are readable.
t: 5.13
